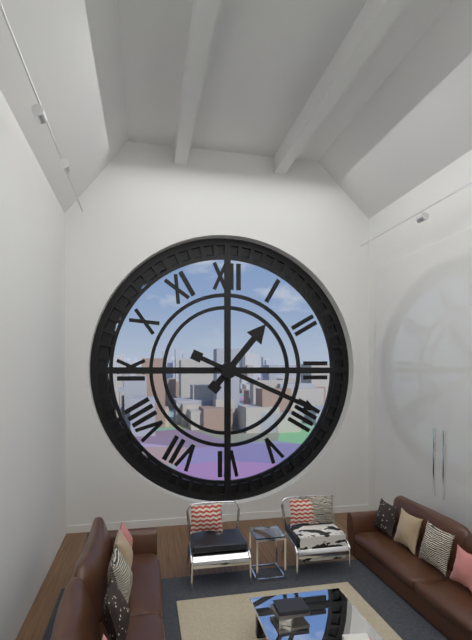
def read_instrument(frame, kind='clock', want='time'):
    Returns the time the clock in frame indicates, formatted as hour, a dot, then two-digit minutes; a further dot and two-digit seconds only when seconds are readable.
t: 1.19
